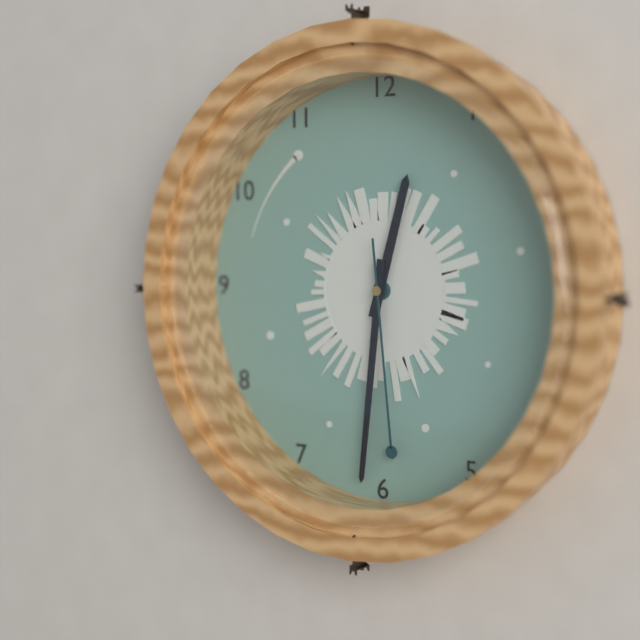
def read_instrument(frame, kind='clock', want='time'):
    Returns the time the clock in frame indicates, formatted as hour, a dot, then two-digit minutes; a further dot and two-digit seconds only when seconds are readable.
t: 12.31.29
